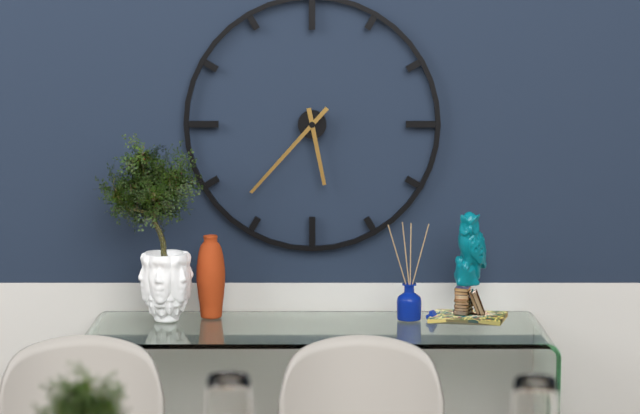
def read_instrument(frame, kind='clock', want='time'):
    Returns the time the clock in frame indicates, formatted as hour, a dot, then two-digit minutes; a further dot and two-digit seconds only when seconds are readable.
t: 5.37
